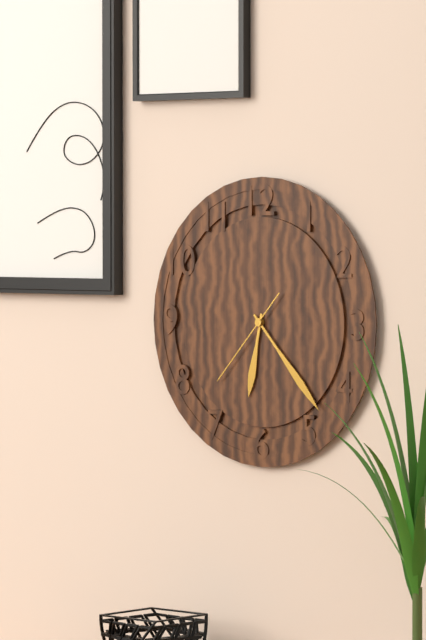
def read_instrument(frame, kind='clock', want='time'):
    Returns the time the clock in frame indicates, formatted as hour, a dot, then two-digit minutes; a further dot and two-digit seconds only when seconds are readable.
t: 6.23.37
